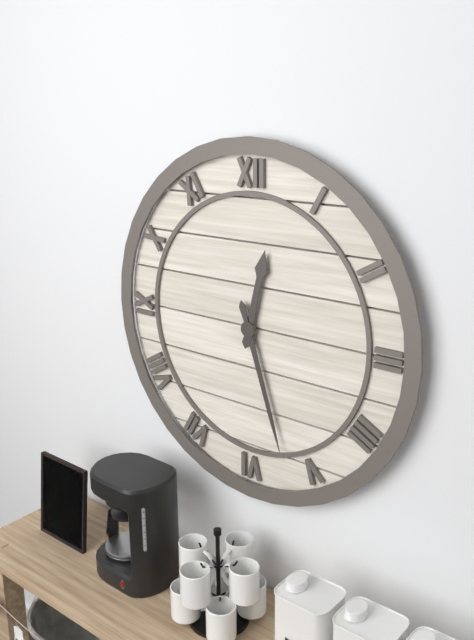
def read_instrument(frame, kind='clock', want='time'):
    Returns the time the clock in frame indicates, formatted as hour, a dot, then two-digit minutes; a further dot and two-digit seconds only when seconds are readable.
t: 12.27
